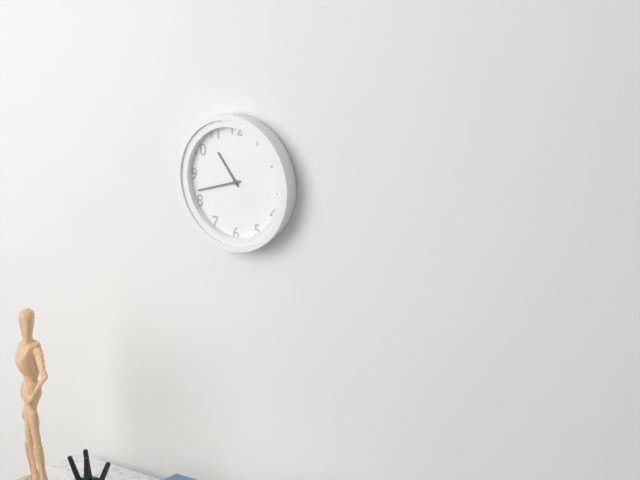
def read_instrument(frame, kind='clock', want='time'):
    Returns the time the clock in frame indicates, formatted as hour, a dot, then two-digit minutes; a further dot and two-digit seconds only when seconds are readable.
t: 10.42
